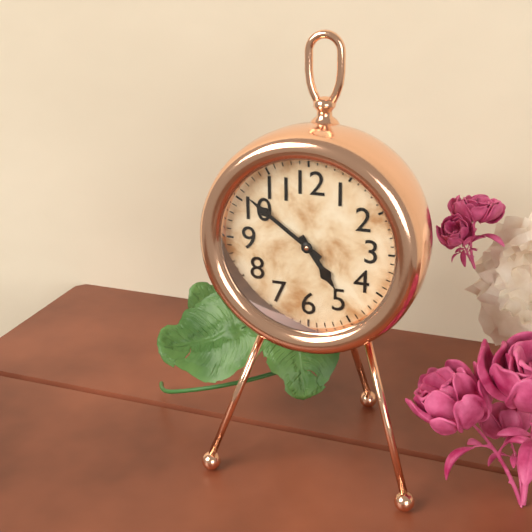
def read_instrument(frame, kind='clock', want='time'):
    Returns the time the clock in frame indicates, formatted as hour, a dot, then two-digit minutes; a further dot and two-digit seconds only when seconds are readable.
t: 4.51
